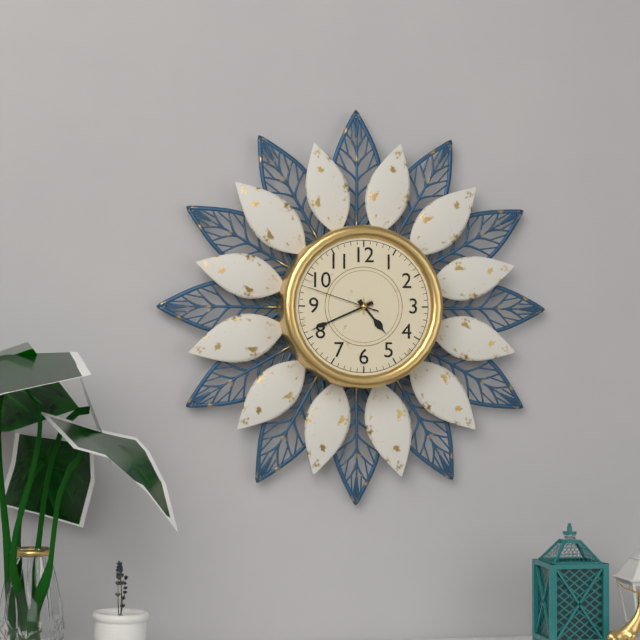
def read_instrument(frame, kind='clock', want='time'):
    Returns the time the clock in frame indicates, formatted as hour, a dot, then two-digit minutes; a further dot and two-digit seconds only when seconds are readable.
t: 4.41.48
